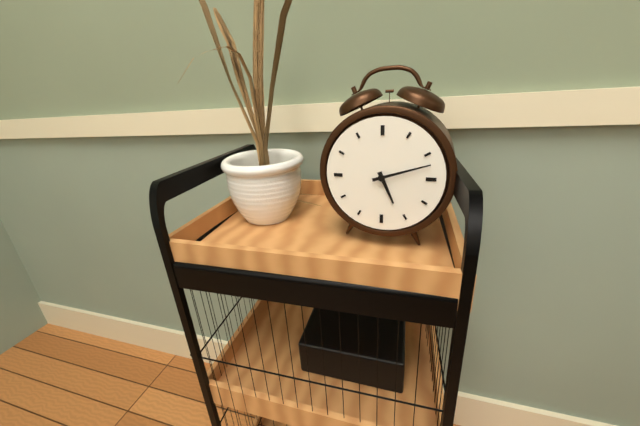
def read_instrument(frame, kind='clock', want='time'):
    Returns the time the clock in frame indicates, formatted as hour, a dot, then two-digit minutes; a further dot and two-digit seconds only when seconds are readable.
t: 5.12
